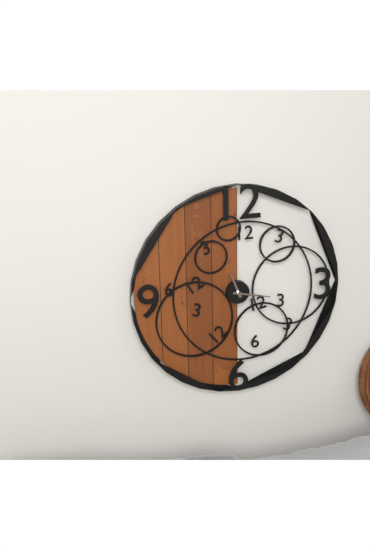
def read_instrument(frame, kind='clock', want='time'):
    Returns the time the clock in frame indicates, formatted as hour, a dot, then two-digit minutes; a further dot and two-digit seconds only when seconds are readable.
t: 11.17
